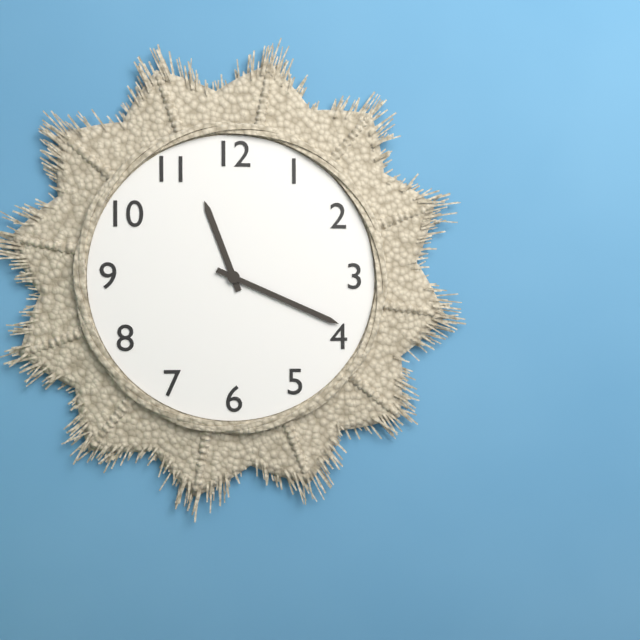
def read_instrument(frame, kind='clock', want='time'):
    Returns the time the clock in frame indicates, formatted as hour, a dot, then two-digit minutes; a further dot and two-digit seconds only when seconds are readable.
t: 11.19
